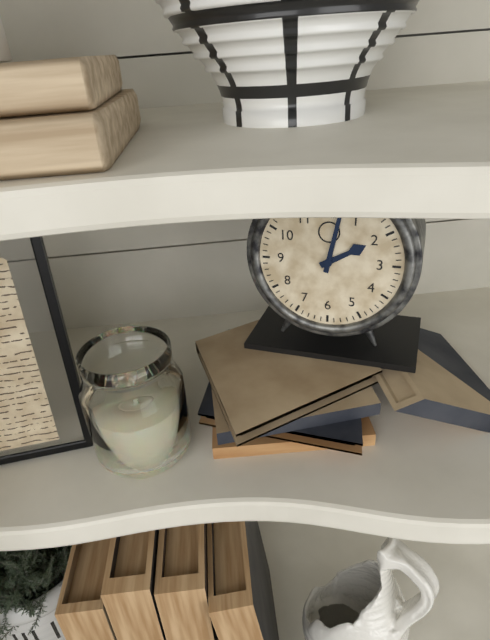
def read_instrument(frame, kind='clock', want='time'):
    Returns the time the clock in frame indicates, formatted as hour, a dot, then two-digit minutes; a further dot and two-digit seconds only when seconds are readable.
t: 2.02
